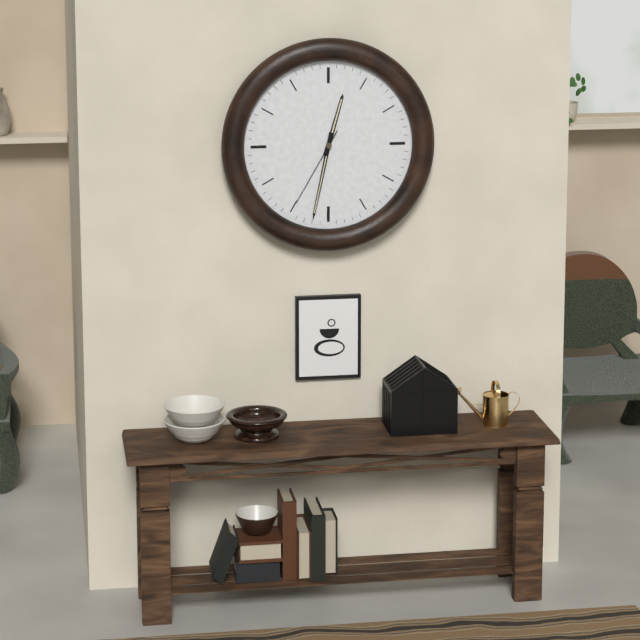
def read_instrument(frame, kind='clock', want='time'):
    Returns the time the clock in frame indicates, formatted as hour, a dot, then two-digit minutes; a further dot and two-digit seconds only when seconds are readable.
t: 12.32.35
